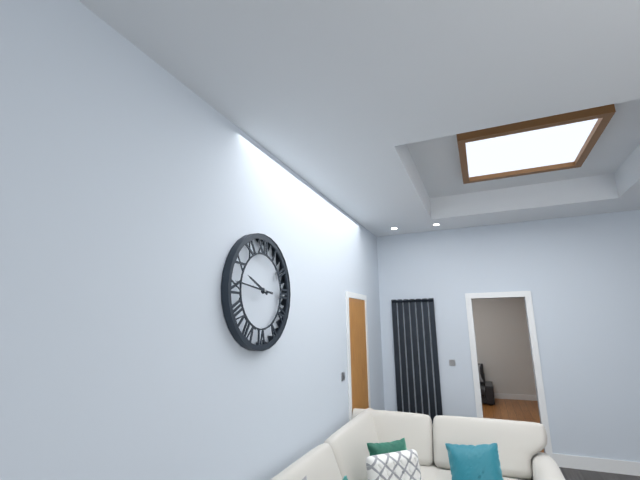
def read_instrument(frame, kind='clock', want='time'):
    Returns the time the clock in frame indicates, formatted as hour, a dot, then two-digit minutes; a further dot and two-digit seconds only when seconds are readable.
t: 9.46
